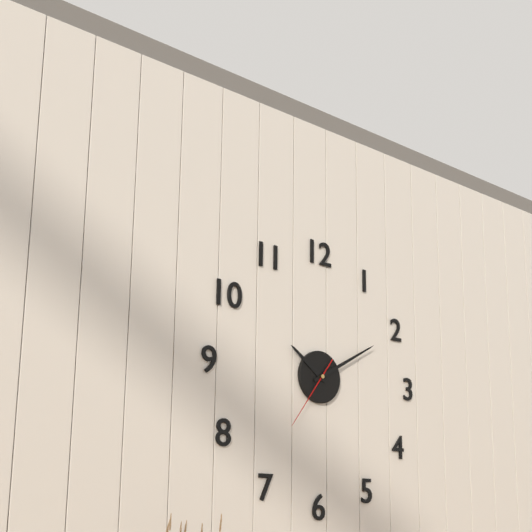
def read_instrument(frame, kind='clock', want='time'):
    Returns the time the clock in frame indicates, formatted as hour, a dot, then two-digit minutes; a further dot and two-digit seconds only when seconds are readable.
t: 10.10.36
